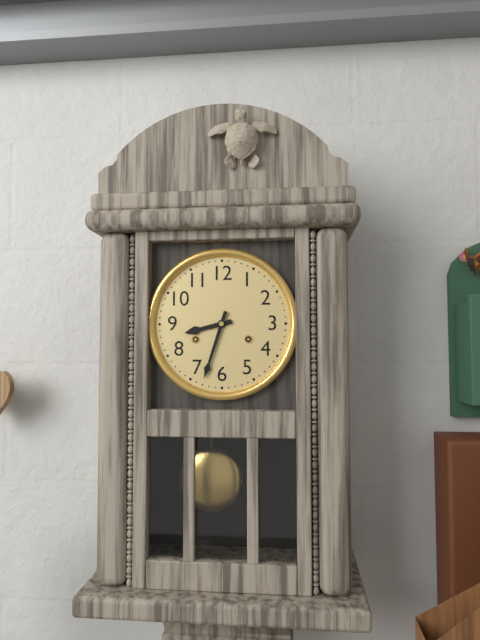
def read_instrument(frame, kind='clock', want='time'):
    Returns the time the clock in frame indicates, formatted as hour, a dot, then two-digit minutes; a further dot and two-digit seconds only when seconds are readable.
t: 8.33
